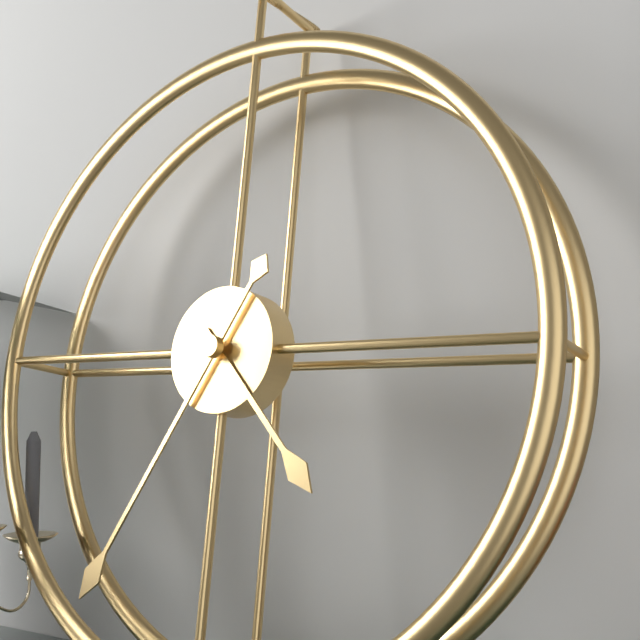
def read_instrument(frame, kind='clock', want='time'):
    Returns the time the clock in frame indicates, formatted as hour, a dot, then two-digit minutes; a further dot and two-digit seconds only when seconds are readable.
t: 4.35
